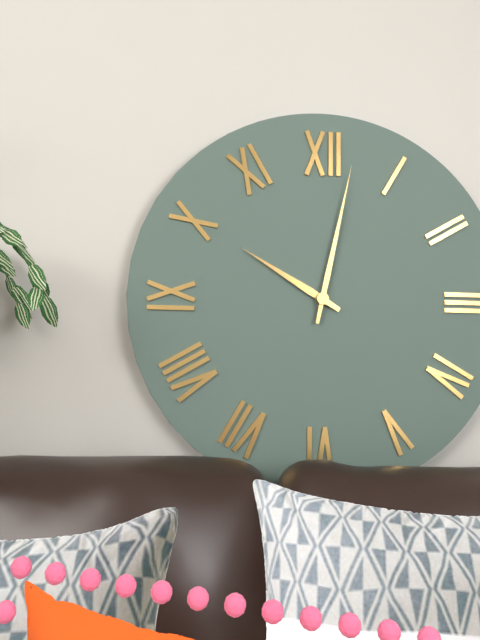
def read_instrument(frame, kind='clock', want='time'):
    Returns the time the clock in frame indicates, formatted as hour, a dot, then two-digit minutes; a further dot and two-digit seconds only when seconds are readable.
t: 10.02
